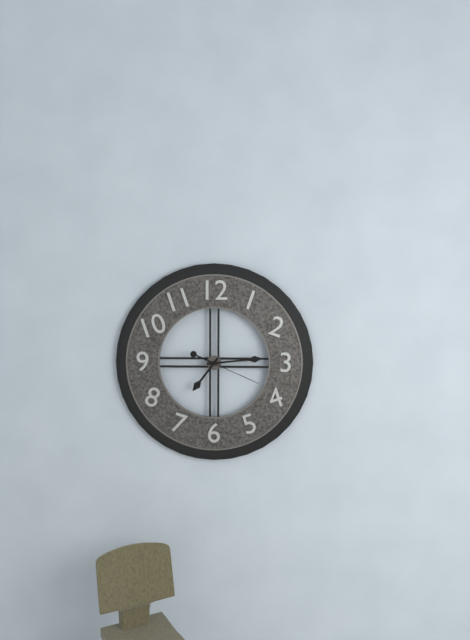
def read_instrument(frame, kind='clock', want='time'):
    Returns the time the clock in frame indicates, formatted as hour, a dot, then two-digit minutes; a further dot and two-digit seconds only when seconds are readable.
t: 7.14.19
